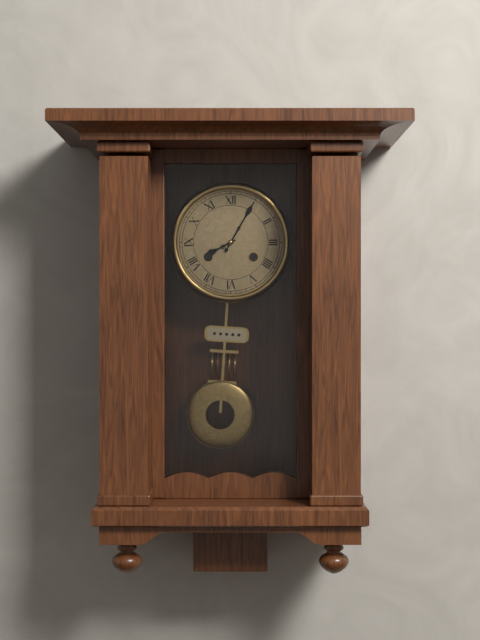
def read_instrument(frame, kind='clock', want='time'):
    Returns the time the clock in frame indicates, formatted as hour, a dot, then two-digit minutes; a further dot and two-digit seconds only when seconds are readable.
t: 8.05
